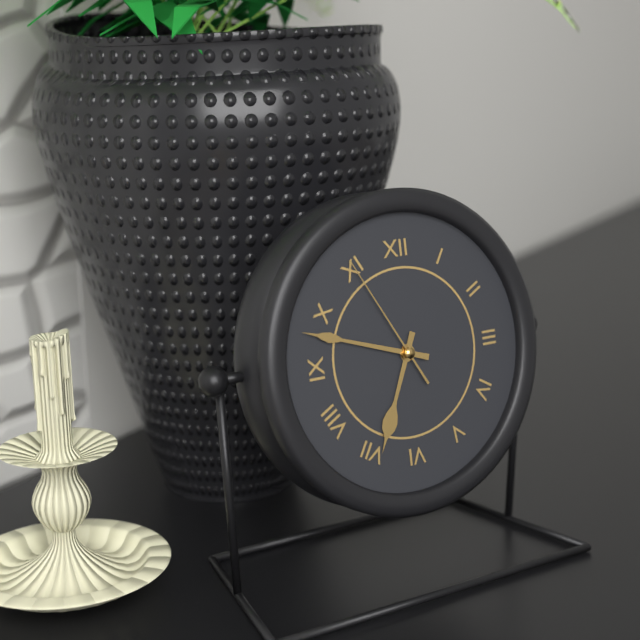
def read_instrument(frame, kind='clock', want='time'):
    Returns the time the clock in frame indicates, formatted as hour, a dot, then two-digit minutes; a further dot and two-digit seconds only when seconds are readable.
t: 6.48.55
